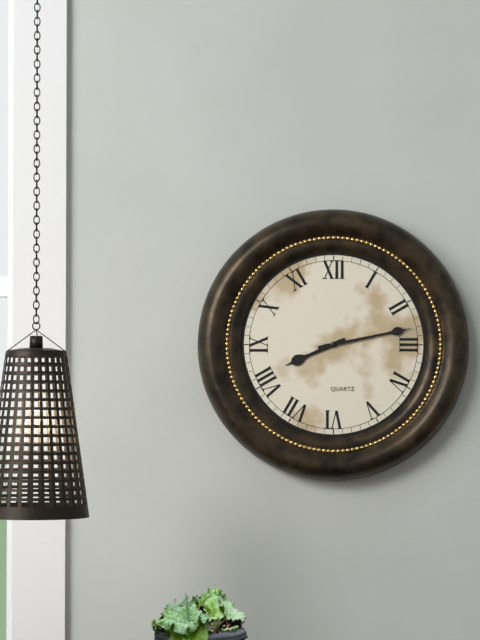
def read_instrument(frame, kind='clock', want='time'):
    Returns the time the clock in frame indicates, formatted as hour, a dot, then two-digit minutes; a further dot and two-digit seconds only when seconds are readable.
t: 8.13
